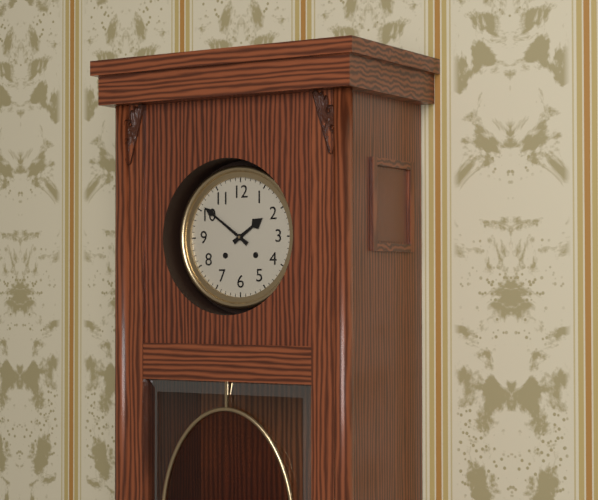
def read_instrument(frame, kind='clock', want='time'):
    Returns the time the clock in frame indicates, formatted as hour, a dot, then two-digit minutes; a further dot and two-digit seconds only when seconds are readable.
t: 1.51
